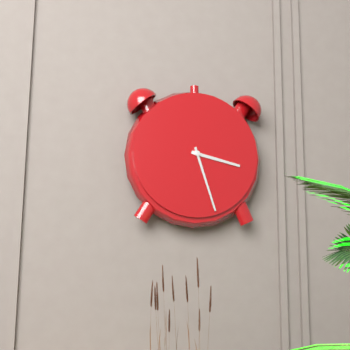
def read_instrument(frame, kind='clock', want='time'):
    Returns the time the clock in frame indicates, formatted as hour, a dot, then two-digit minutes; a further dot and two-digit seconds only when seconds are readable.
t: 3.27
